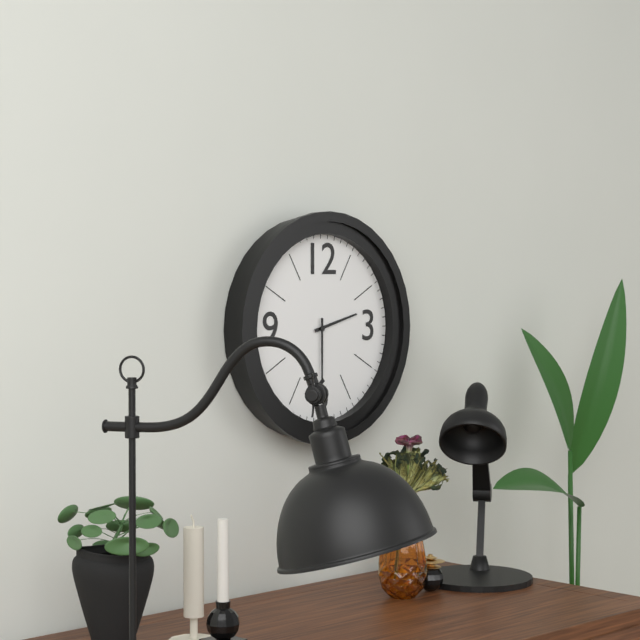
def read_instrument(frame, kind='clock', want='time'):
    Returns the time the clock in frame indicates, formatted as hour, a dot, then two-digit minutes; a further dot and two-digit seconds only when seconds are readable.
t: 2.30
